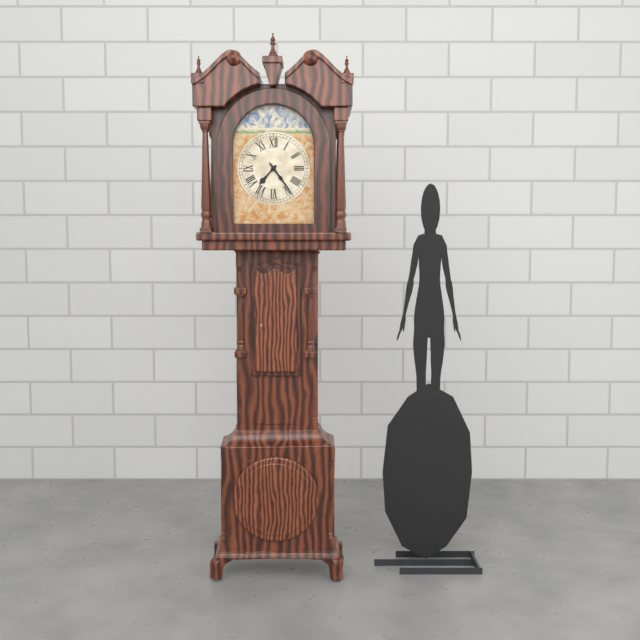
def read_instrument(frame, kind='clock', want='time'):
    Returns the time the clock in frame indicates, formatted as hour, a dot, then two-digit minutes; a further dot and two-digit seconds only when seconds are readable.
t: 7.24
